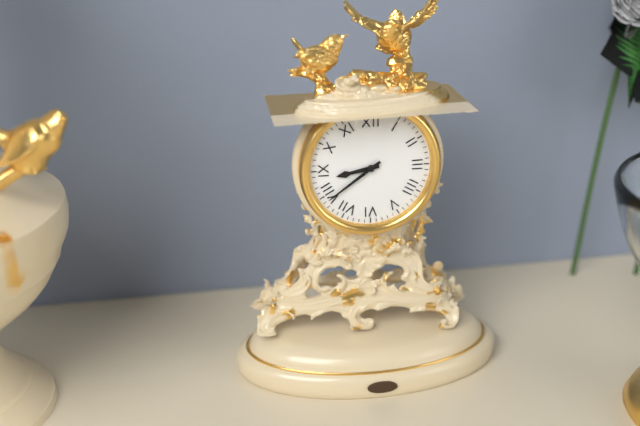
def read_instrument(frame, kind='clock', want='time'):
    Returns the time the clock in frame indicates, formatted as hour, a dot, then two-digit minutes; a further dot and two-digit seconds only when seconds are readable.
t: 8.39
